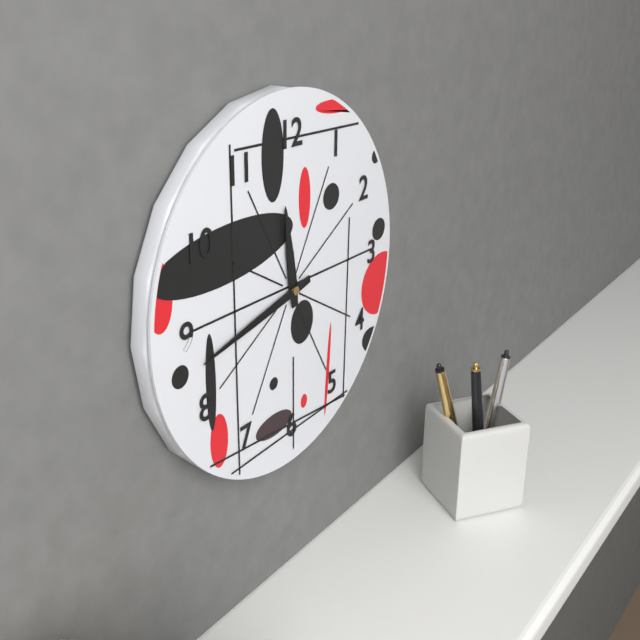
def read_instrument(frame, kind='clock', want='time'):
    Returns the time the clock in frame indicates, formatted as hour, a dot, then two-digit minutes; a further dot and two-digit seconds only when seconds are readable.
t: 11.43
